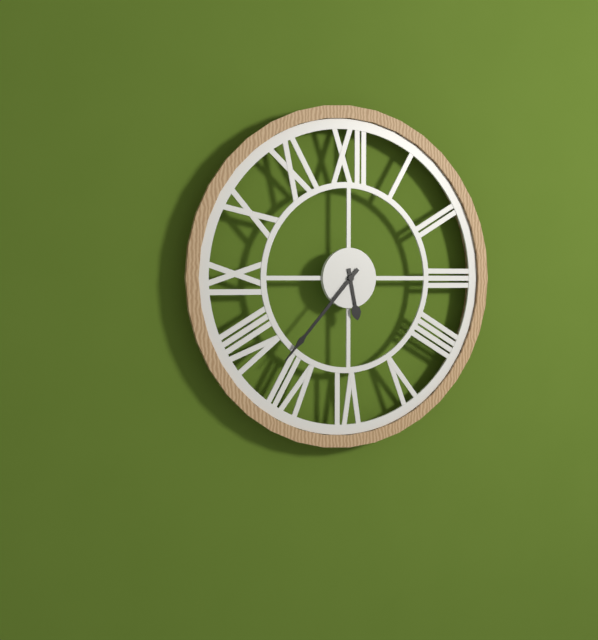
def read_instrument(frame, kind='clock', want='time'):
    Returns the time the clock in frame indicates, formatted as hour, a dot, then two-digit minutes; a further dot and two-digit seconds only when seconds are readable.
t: 5.37
